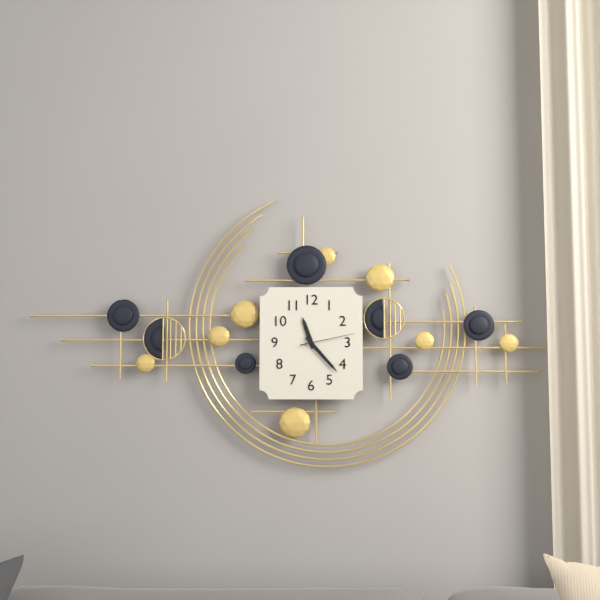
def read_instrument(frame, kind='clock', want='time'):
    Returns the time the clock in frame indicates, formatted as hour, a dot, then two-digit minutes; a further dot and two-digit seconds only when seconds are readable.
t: 11.23.13
